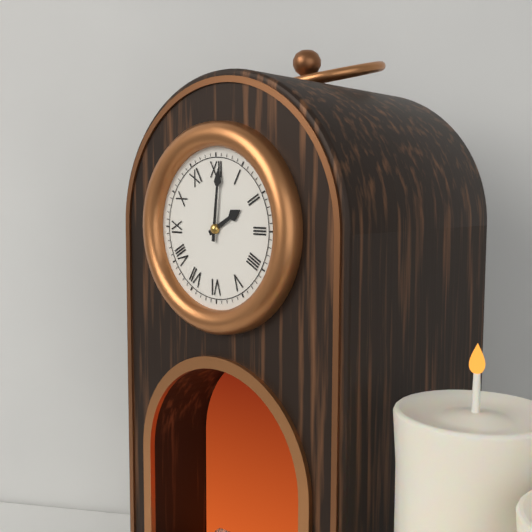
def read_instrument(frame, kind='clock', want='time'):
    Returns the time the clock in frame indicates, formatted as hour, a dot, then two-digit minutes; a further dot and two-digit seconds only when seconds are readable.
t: 2.01
